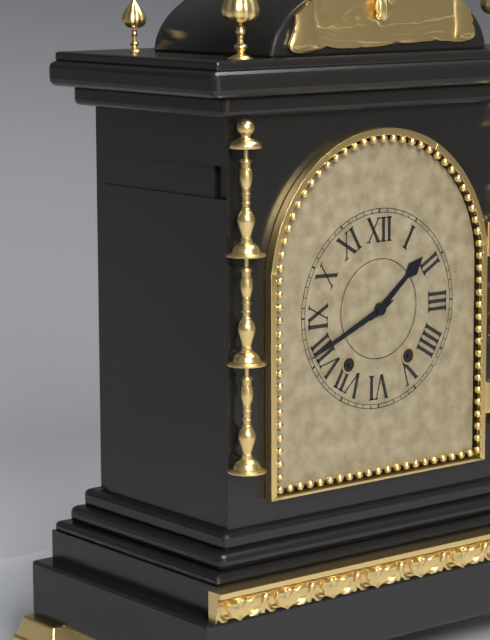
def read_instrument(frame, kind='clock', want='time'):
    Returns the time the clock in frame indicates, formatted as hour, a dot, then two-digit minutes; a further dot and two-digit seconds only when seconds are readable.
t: 1.41
